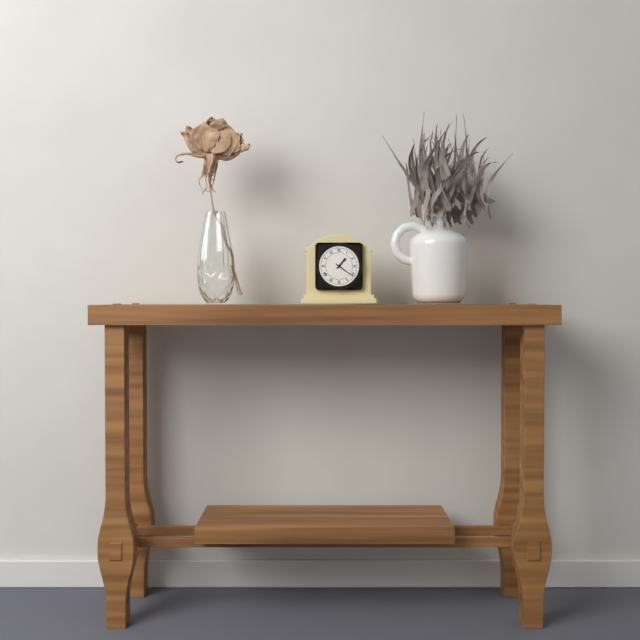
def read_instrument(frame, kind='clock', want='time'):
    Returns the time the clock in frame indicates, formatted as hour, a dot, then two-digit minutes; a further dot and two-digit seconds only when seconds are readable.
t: 1.21
